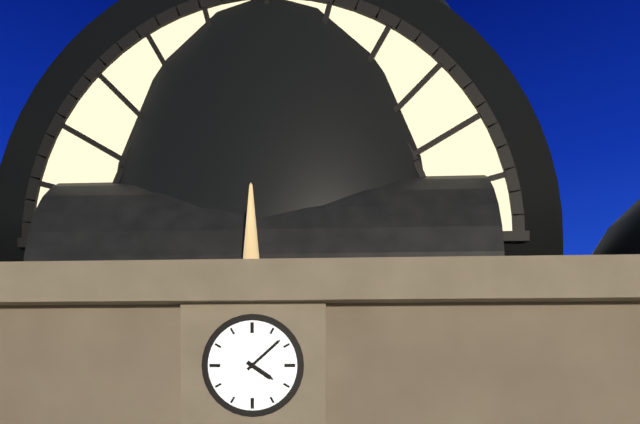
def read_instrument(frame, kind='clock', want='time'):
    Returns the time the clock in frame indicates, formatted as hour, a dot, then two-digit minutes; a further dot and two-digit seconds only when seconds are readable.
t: 4.08
